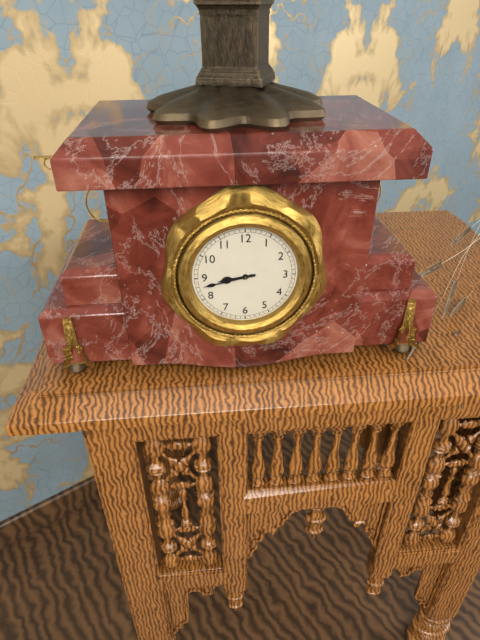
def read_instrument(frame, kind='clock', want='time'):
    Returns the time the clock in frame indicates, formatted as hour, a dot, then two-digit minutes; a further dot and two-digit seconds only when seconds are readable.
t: 8.43
